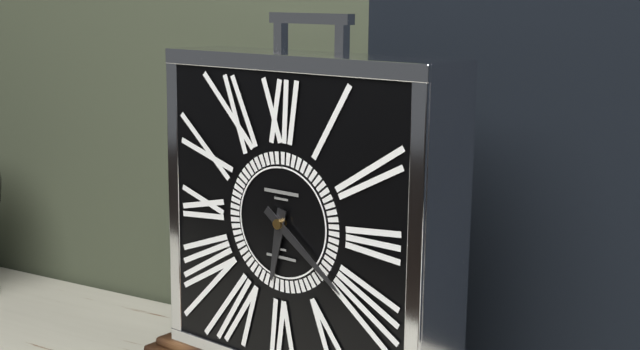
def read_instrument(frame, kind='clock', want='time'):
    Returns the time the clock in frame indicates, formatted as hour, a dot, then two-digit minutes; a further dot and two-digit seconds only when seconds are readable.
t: 6.21
